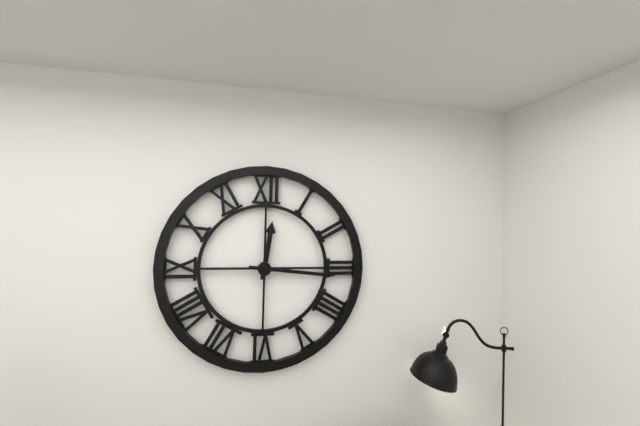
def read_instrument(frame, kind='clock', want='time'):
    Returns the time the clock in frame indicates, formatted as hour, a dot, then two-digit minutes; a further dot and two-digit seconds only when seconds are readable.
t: 12.16
